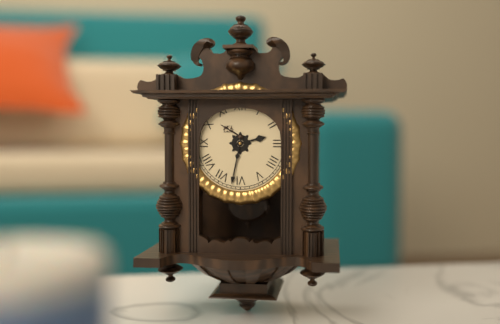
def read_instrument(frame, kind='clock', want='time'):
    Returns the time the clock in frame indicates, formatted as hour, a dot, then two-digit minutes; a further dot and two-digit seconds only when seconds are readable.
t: 2.32
